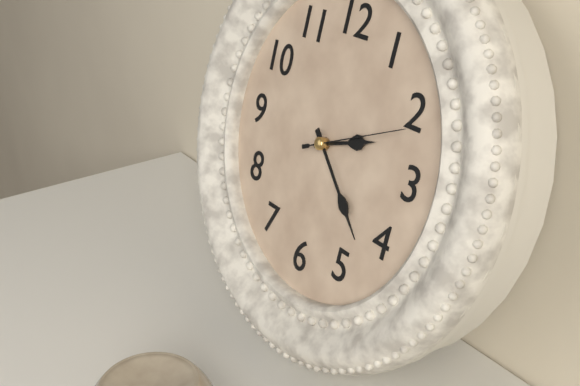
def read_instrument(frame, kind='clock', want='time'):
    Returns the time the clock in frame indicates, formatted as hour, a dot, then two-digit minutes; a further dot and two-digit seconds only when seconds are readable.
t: 2.22.11
